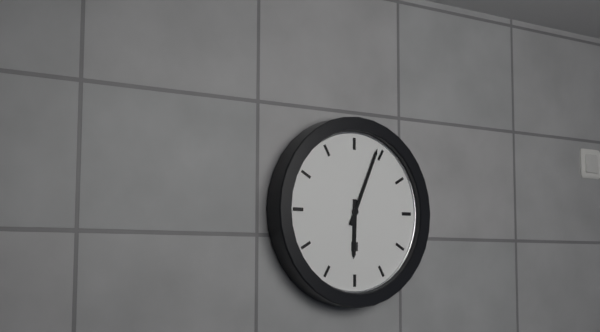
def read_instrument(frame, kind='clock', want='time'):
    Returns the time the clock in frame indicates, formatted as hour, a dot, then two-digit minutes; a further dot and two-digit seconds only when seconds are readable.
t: 6.04
